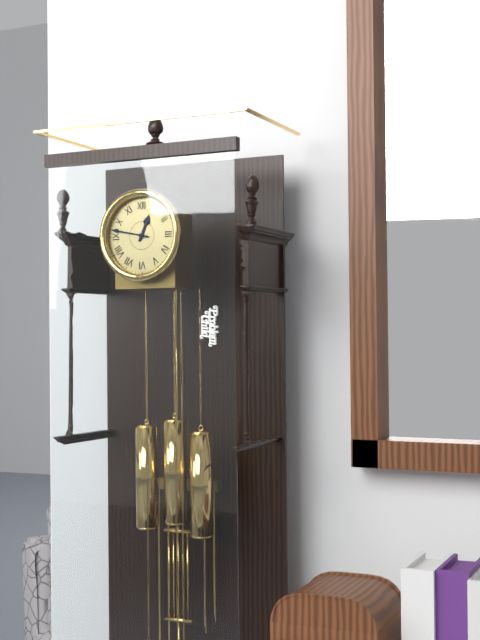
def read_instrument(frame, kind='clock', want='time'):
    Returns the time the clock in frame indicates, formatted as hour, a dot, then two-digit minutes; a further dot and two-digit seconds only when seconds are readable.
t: 12.47
